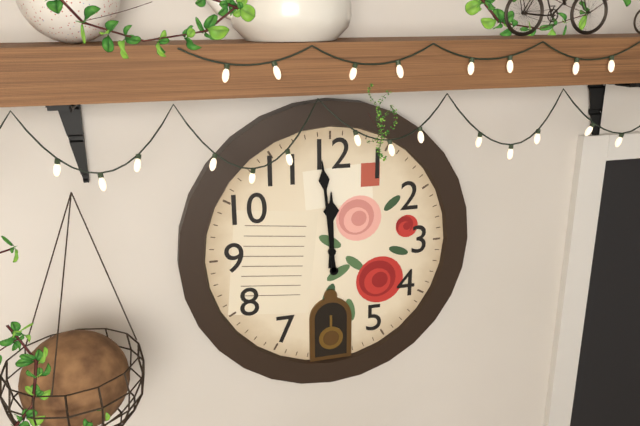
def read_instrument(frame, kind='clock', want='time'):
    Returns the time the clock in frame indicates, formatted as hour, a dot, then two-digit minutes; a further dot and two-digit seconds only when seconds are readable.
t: 11.59
